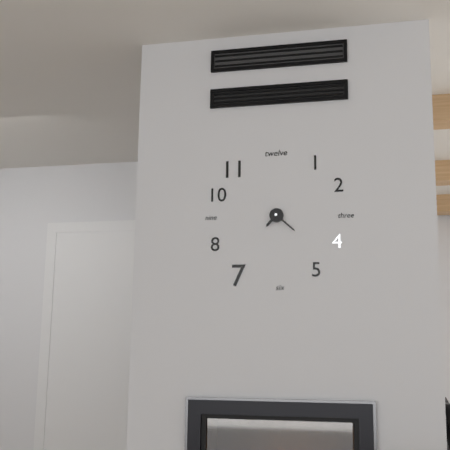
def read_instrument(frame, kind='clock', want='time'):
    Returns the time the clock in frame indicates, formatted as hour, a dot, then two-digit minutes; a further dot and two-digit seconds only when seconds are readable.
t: 7.22
